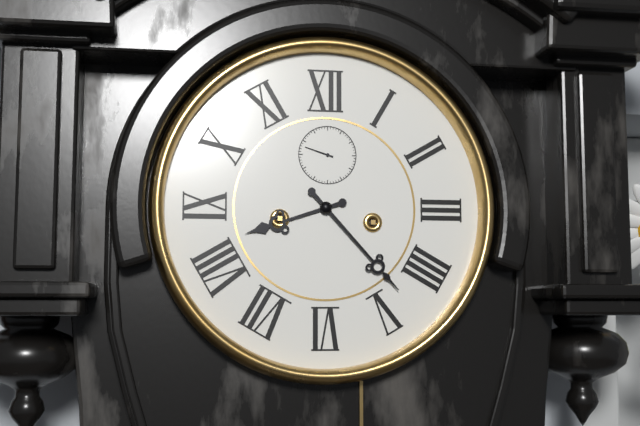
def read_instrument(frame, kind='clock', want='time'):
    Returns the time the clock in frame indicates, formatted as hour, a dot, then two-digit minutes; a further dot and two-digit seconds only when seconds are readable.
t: 8.23
